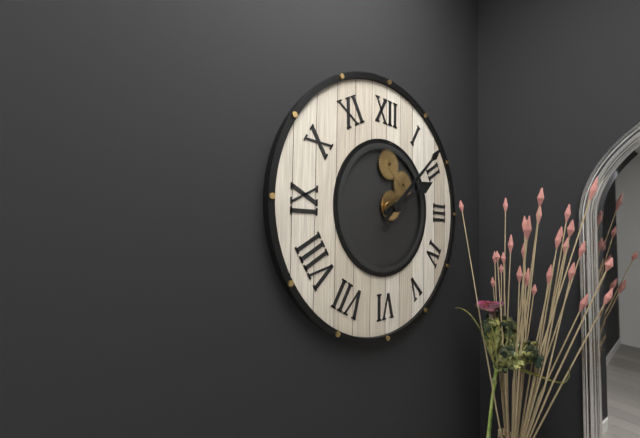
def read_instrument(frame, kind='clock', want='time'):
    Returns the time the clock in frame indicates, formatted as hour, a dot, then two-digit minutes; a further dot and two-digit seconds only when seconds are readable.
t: 2.08
